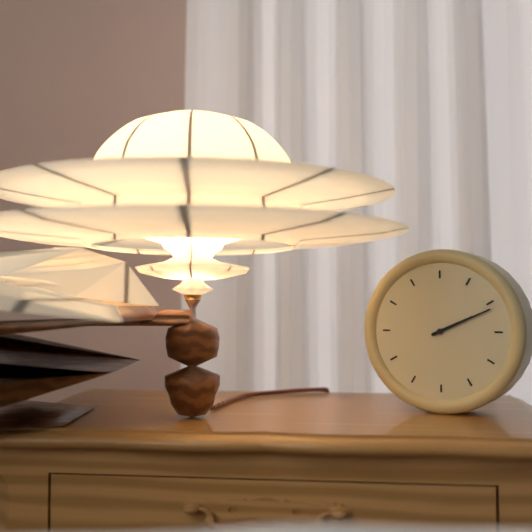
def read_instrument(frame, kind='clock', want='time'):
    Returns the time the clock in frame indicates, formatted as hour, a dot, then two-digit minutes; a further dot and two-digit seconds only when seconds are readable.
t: 2.11
